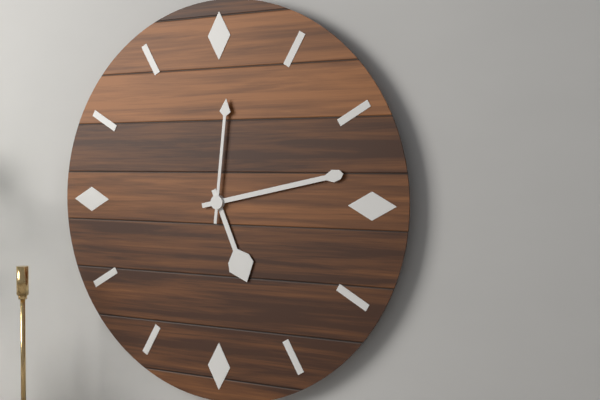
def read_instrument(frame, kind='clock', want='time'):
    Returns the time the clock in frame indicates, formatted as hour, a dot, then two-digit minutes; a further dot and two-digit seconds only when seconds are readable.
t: 5.13.01
